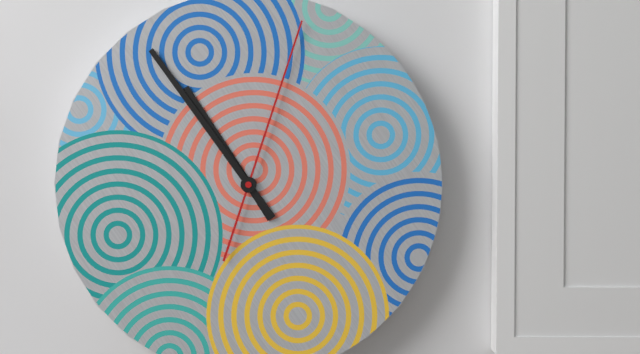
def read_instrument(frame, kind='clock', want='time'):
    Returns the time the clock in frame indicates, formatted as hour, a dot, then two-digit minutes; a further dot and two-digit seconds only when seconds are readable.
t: 10.54.03
